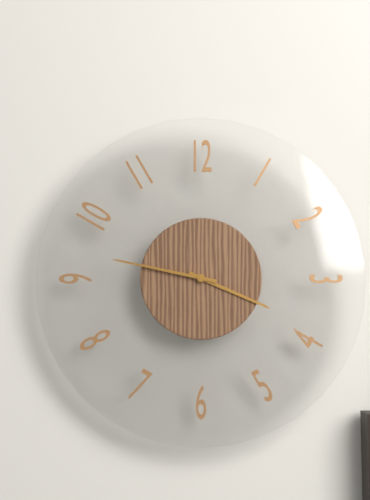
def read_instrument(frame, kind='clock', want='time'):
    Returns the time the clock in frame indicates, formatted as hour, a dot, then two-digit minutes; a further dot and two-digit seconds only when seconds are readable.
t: 3.47
